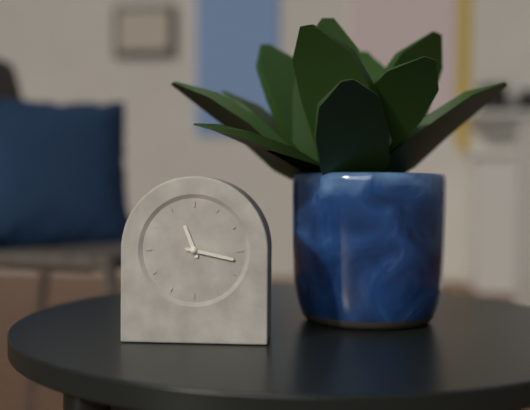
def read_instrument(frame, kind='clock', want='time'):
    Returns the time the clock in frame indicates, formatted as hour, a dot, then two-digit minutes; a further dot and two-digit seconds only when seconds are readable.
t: 11.17
